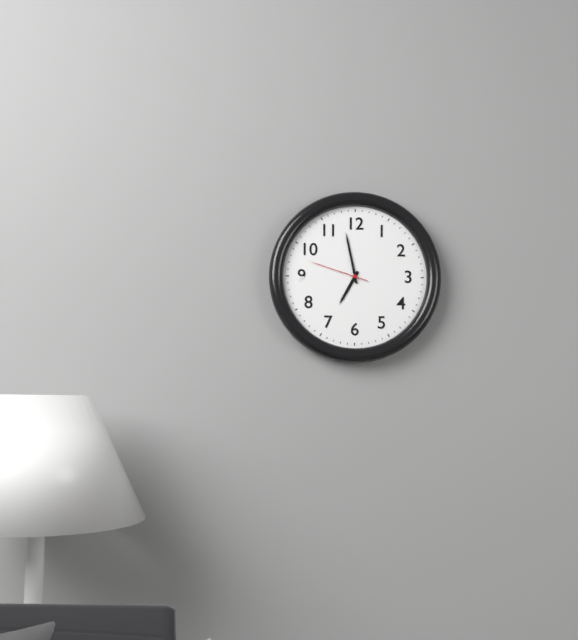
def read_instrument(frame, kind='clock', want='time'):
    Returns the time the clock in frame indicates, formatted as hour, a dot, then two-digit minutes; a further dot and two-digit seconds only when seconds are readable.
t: 6.58.48
